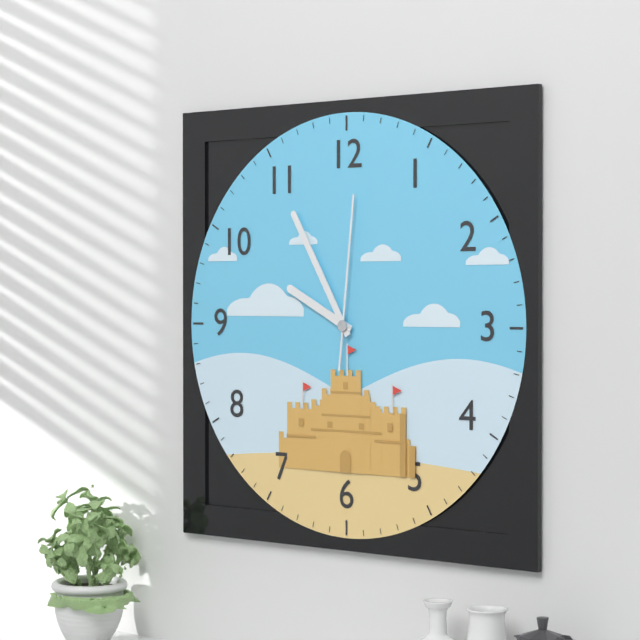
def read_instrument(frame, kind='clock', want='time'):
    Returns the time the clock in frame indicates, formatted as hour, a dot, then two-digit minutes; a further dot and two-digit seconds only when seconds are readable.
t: 9.55.01
